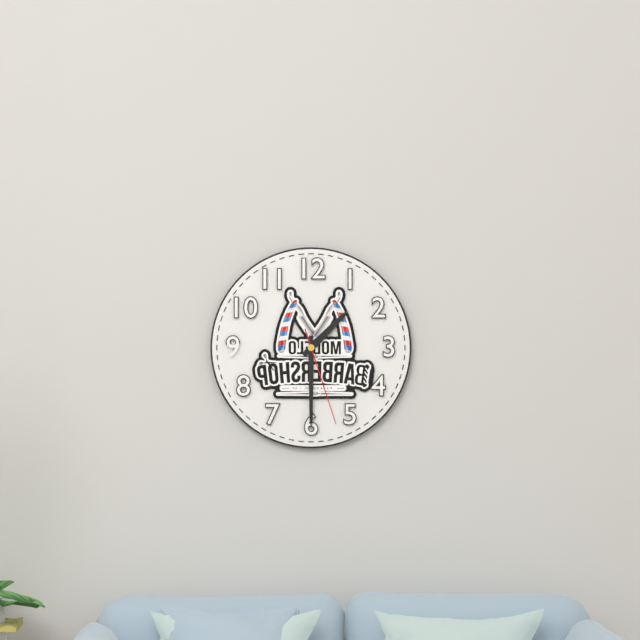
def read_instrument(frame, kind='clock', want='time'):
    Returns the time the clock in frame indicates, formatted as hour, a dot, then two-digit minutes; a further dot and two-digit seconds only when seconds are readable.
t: 1.30.27
